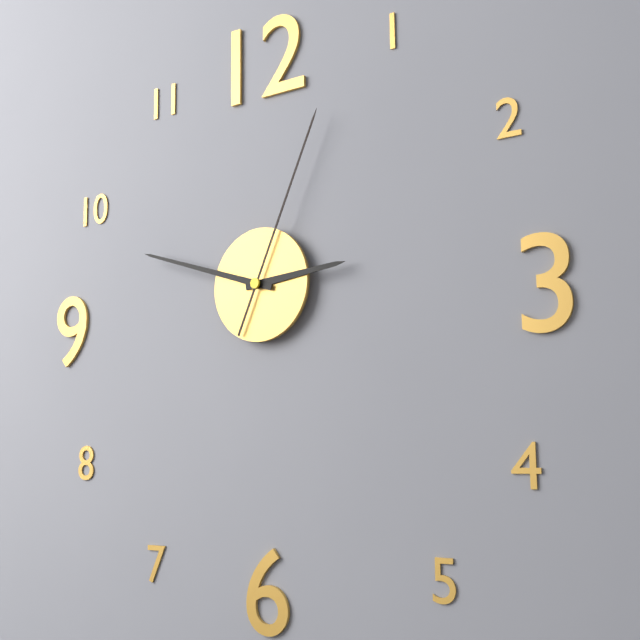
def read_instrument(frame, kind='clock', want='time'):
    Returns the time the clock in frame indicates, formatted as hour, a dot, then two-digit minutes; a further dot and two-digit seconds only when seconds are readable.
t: 2.48.04
